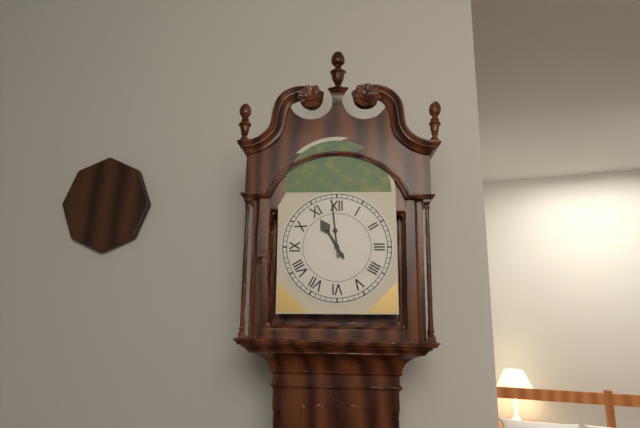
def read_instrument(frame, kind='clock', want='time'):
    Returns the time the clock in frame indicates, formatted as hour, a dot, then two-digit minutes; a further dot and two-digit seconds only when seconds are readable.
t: 10.59
